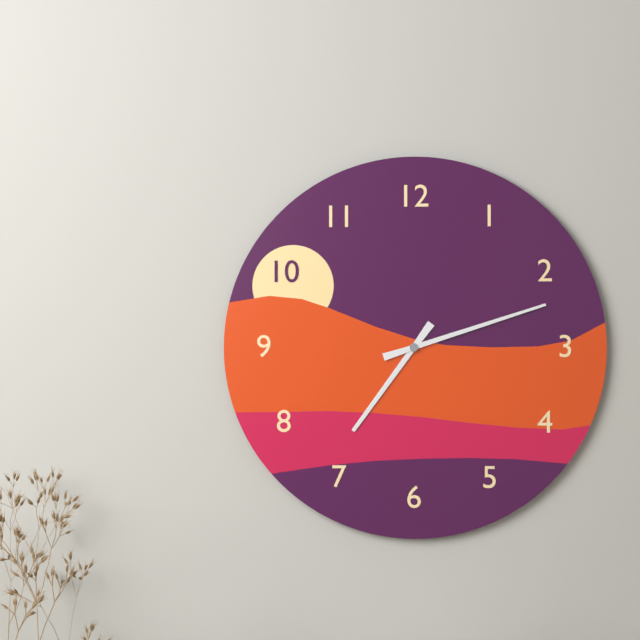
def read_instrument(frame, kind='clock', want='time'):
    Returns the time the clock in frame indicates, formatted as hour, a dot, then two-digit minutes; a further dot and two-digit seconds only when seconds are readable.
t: 7.12
